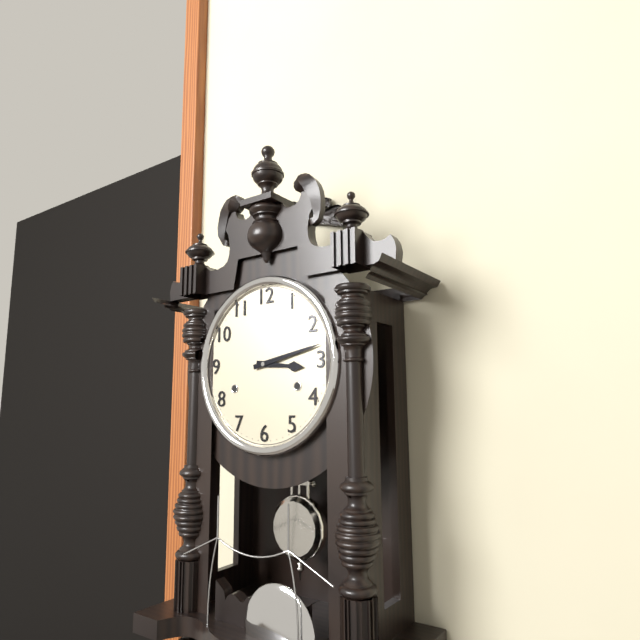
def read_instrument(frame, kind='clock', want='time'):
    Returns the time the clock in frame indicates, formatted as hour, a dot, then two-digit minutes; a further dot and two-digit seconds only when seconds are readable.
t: 3.13
